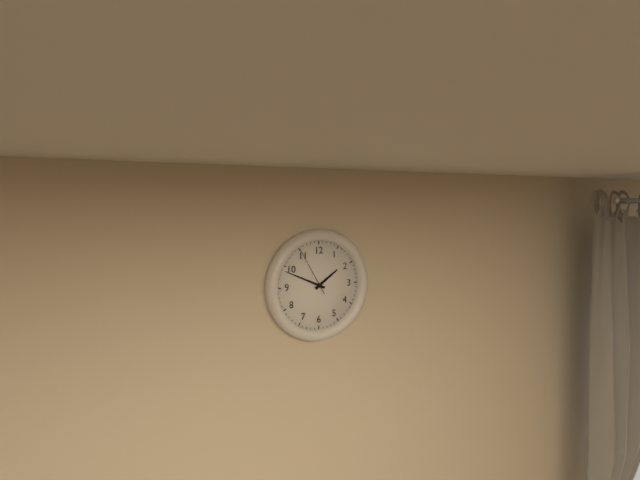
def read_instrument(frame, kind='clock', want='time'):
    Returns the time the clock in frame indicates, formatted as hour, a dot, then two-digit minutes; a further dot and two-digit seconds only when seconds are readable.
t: 1.49.55
